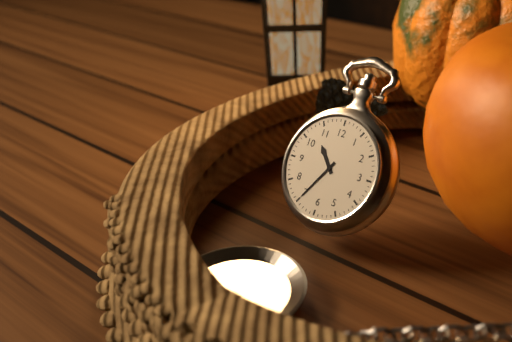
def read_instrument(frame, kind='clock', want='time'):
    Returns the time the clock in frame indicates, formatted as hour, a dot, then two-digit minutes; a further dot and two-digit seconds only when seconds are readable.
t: 10.35
